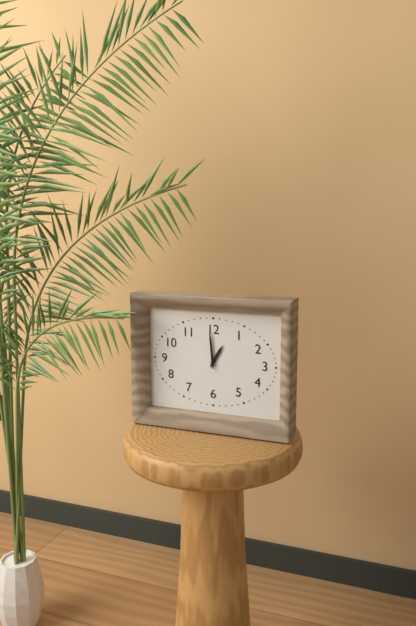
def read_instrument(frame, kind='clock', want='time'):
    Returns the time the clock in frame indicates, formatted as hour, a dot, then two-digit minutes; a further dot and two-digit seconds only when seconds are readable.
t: 12.59
